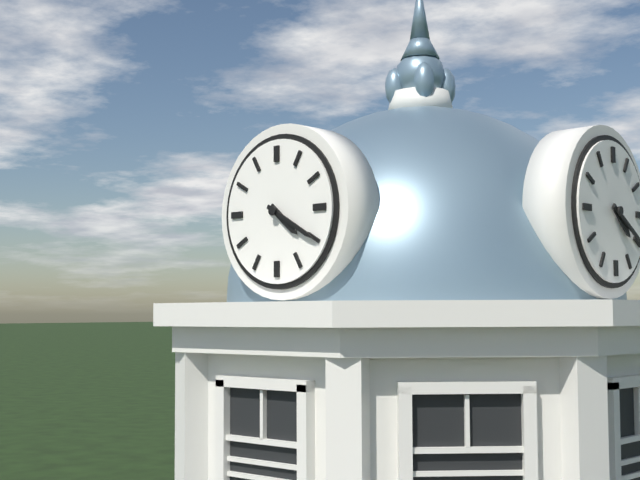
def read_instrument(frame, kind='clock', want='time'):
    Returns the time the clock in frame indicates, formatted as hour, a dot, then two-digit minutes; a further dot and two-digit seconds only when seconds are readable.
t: 4.20
